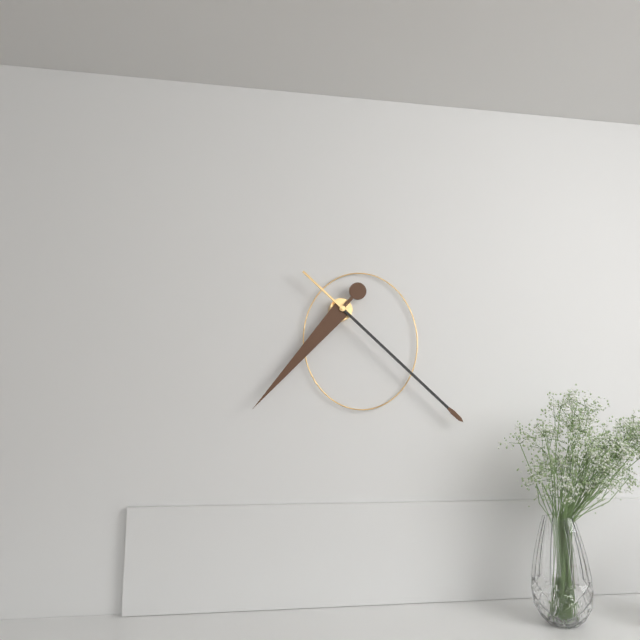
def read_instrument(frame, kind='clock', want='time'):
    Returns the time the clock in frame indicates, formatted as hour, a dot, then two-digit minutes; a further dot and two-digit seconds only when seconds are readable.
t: 7.22
